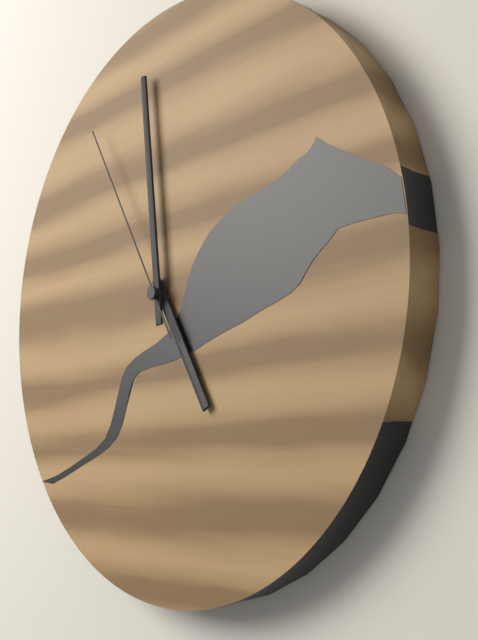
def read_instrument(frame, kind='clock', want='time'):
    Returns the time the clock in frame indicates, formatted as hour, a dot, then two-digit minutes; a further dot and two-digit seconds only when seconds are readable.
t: 4.59.55
